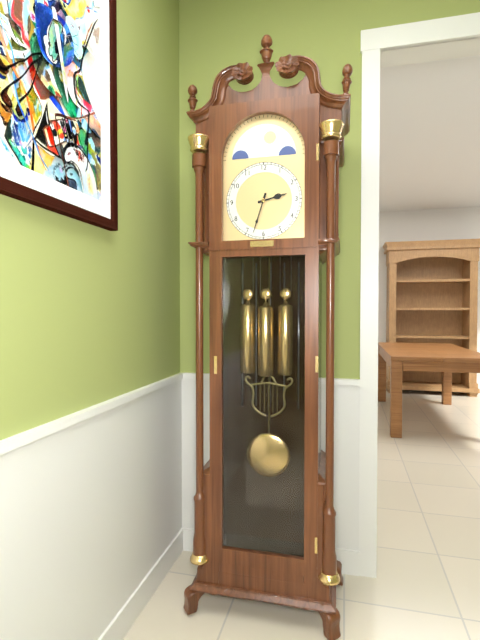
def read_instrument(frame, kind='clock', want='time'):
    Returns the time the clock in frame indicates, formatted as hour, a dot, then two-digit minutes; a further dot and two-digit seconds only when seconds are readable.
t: 2.33
